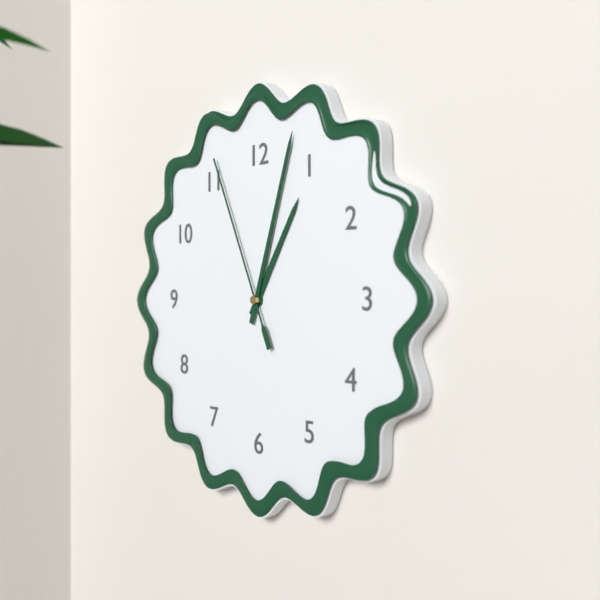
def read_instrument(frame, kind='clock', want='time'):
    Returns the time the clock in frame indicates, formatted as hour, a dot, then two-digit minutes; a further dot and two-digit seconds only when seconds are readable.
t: 1.03.56
